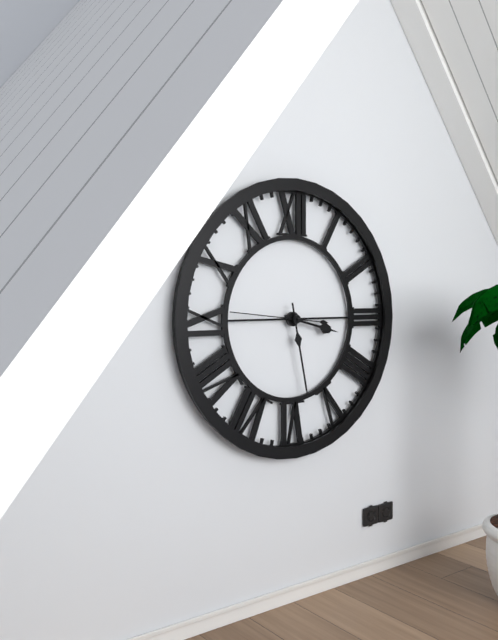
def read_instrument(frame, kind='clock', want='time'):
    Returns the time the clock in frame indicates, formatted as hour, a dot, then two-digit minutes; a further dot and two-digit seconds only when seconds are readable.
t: 3.28.46
